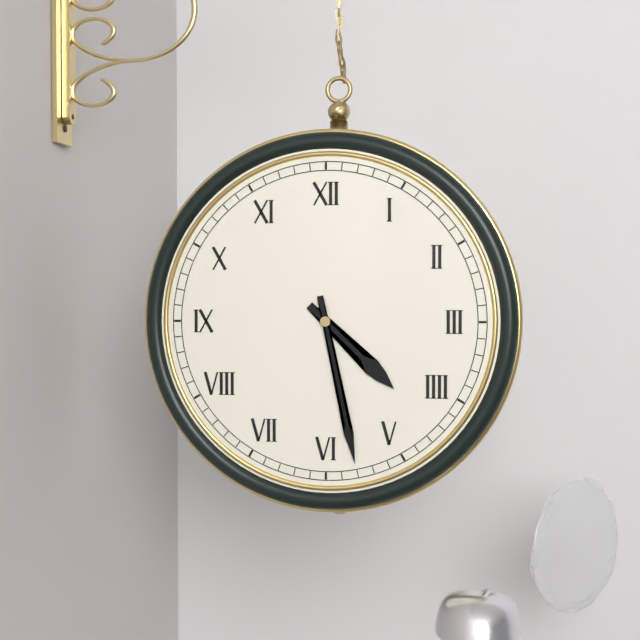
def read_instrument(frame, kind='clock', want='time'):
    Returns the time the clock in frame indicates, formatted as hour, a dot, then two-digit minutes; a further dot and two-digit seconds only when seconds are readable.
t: 4.28
